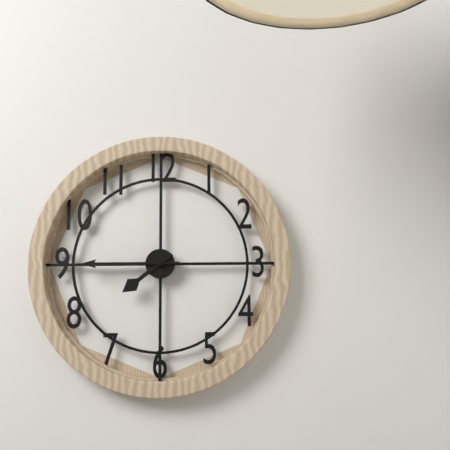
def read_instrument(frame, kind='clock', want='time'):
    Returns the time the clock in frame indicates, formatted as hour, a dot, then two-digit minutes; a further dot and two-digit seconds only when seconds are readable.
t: 7.45
